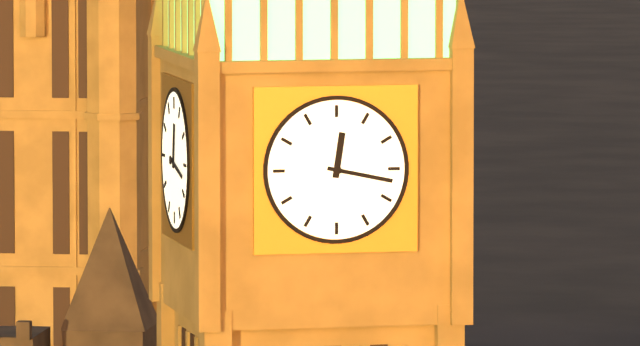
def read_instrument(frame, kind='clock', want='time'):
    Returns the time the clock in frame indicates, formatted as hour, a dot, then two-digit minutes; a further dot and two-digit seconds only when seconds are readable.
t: 12.17
